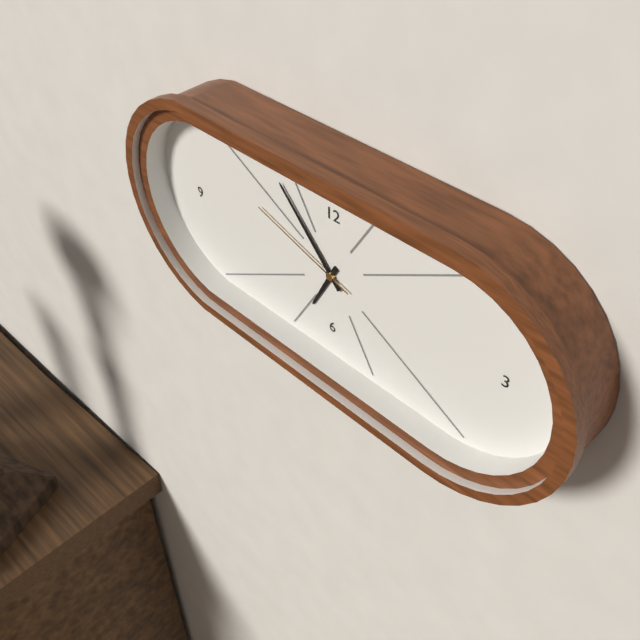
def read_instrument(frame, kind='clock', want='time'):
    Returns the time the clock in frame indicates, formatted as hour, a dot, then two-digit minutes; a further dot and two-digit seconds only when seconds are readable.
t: 6.53.48
